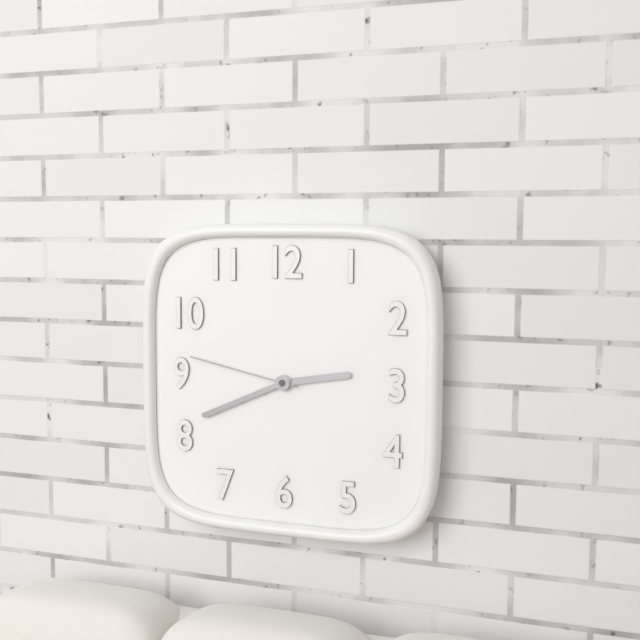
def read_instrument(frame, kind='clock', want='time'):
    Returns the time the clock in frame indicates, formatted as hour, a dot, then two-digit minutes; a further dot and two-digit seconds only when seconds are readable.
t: 2.41.47
